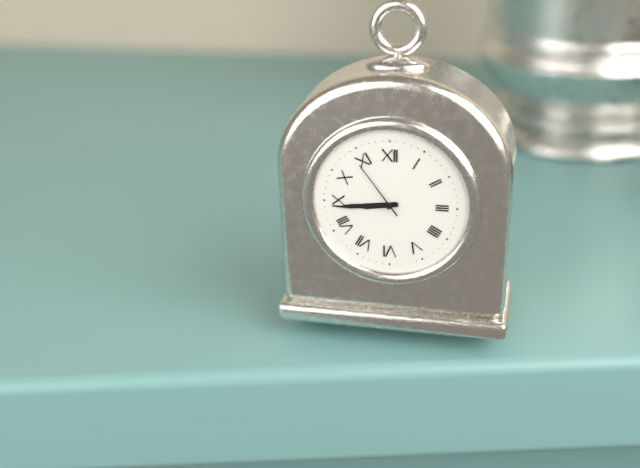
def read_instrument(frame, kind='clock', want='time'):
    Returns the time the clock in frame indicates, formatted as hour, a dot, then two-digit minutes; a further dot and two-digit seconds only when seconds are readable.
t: 8.44.54
